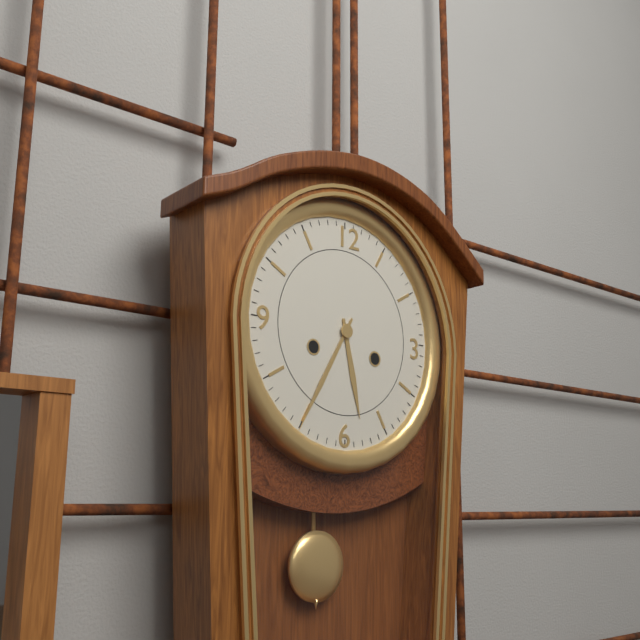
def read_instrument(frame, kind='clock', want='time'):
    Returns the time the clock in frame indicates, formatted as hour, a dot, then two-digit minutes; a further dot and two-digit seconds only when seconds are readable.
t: 5.35
